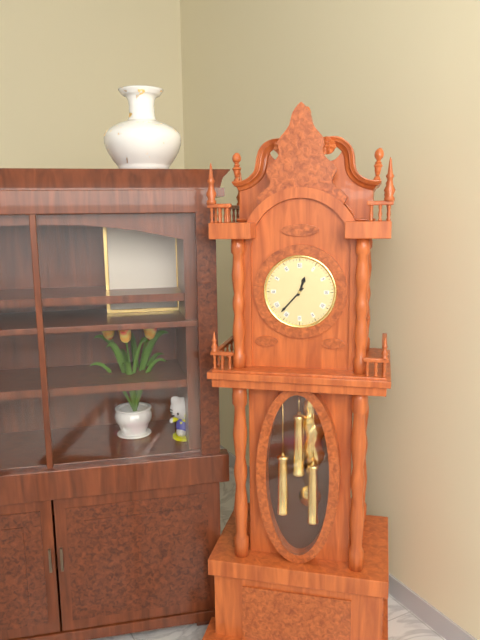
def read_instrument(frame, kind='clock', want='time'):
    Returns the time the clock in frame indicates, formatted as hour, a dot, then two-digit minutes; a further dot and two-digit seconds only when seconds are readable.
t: 12.37
